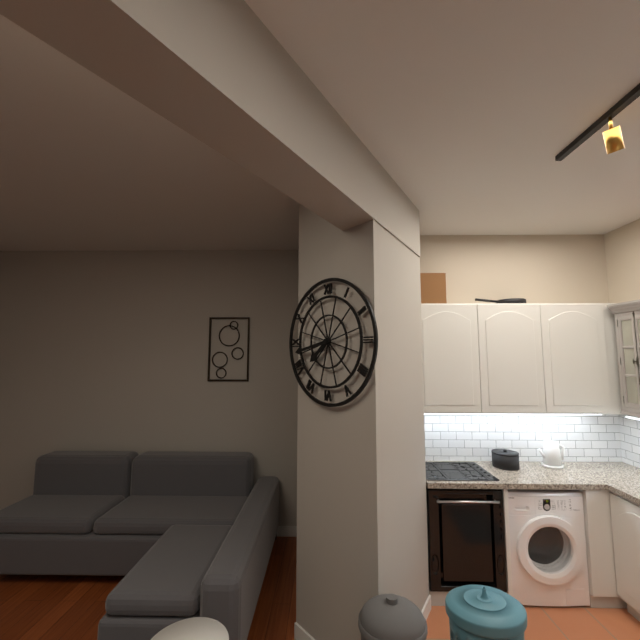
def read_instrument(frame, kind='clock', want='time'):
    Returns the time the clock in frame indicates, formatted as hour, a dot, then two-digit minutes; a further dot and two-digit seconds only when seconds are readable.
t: 7.43
